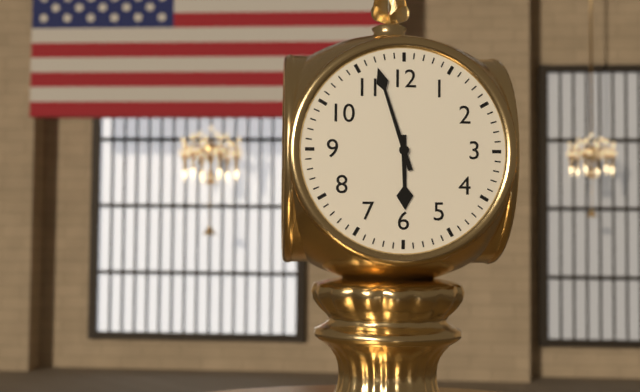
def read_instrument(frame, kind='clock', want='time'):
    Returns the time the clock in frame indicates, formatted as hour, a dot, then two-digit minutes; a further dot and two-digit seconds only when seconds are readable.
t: 5.57
